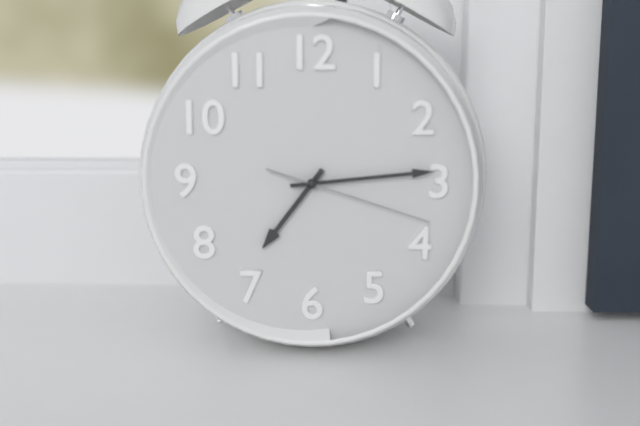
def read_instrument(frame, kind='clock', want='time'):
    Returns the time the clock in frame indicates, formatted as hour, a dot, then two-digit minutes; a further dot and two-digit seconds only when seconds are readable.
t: 7.14.18
